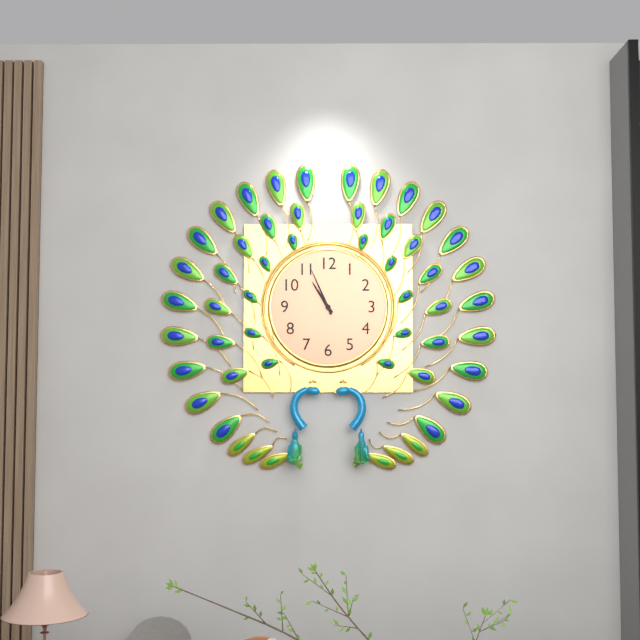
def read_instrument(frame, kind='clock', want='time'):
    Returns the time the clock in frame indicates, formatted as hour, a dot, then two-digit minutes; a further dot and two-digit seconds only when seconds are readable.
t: 10.56
